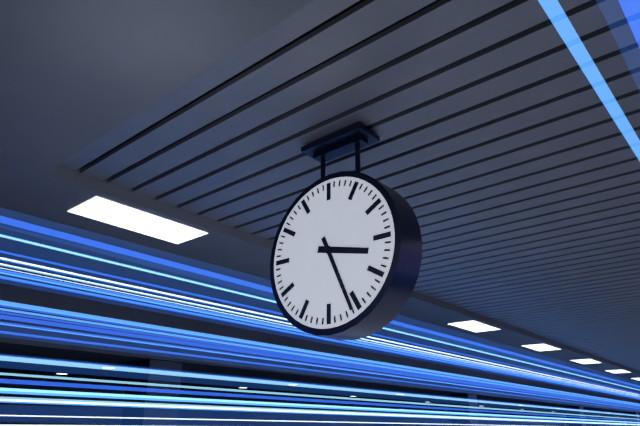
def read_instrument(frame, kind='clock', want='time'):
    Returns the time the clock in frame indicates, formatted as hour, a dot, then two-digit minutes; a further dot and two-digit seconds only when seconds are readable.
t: 3.26
